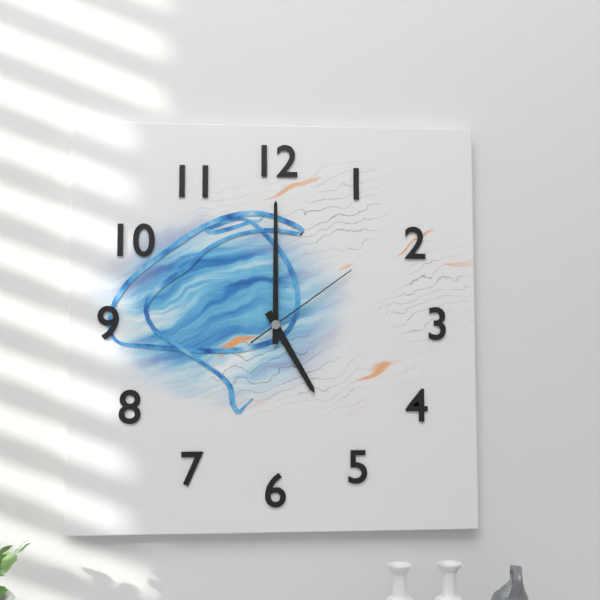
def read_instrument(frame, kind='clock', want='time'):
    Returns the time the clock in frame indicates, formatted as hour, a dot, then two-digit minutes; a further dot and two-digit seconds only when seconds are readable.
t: 5.00.09
